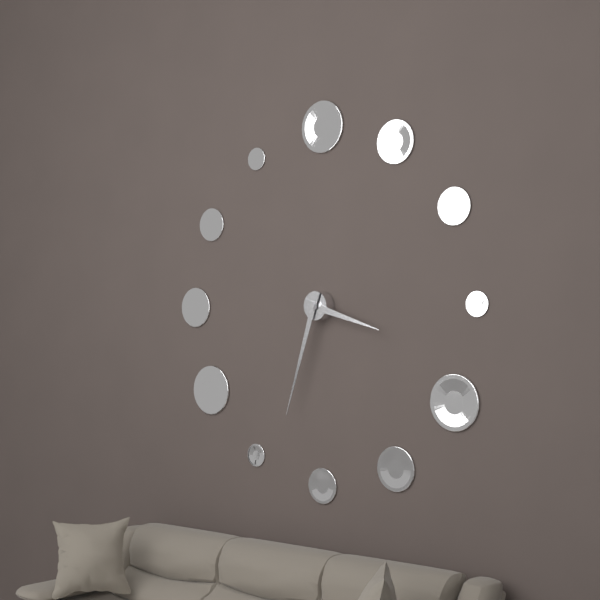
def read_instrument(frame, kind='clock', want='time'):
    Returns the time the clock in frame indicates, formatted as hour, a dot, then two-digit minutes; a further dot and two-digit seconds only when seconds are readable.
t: 3.33
